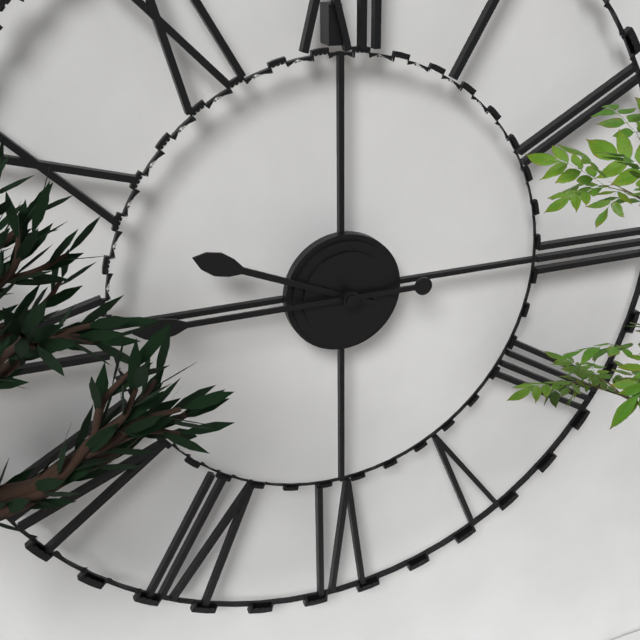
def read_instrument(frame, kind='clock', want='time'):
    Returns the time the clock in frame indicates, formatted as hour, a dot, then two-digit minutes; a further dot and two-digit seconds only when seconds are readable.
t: 9.45
